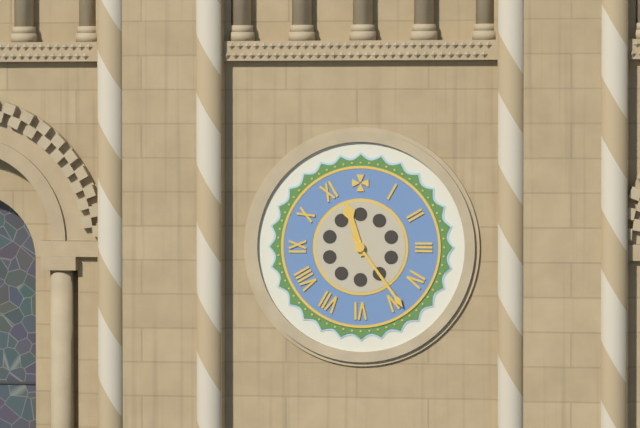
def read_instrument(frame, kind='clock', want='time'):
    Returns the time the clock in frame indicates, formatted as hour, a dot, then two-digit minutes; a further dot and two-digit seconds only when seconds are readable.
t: 11.24
